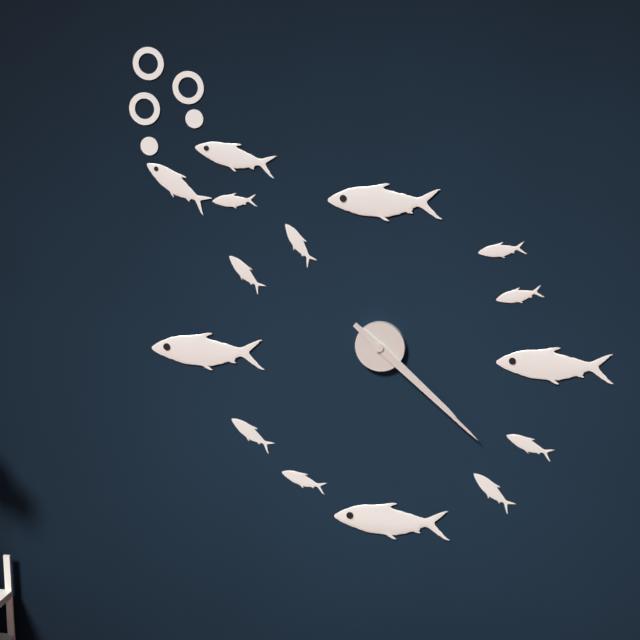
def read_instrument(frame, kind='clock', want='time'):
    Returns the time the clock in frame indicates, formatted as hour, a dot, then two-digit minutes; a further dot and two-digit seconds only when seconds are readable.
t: 4.22
